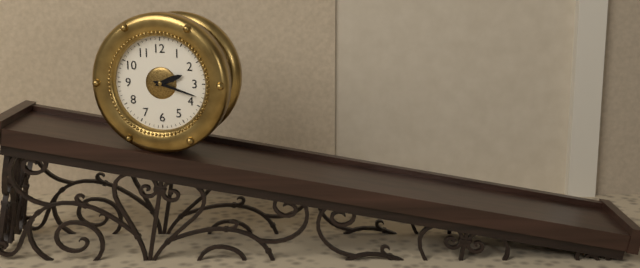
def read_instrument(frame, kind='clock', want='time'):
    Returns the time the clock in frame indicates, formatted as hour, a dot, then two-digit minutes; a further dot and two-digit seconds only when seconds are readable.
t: 2.18
